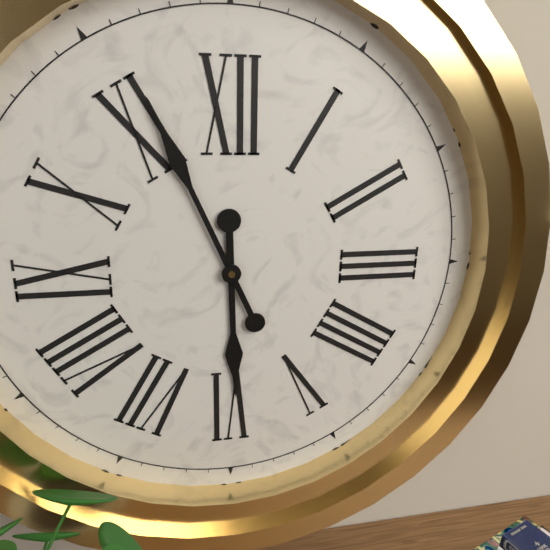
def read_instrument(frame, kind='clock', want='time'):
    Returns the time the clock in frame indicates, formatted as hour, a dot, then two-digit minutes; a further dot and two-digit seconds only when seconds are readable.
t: 5.56
